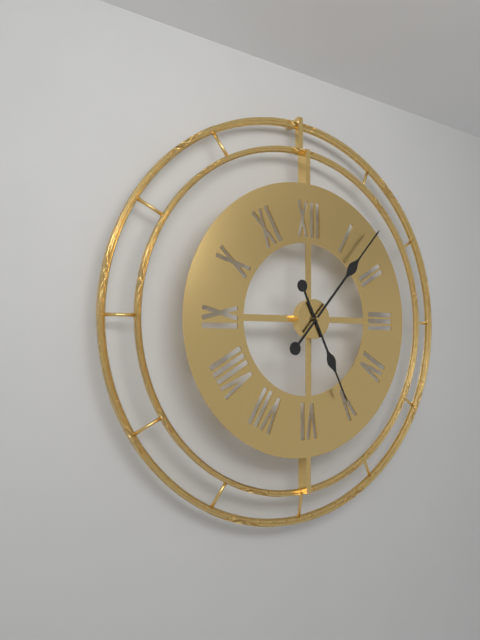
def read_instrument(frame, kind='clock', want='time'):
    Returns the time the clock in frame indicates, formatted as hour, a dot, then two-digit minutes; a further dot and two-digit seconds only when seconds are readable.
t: 5.07
